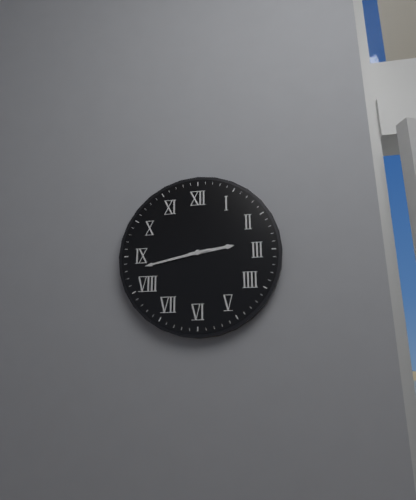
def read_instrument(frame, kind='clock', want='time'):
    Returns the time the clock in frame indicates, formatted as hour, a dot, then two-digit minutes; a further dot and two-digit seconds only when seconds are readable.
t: 2.43
